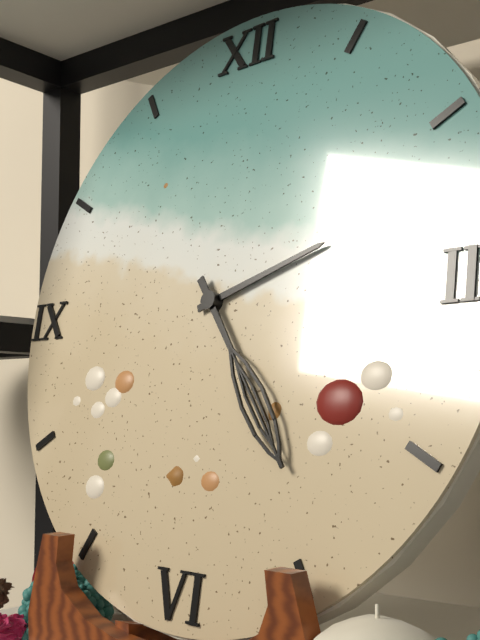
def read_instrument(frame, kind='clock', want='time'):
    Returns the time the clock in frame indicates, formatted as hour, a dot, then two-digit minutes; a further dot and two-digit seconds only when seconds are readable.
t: 2.24
